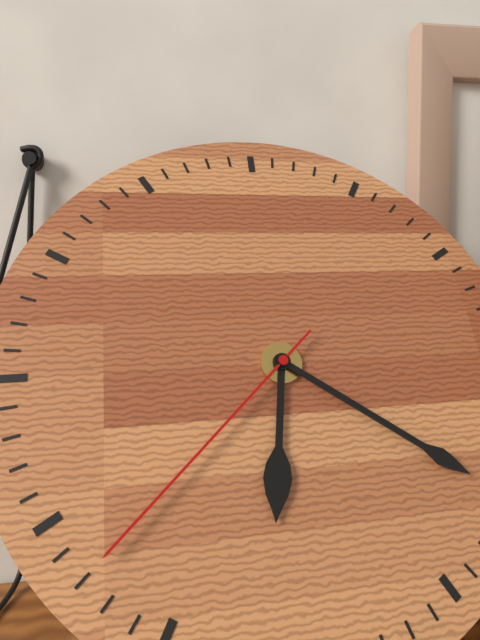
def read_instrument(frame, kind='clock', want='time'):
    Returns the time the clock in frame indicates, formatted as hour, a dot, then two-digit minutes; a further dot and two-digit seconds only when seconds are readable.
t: 6.21.38
